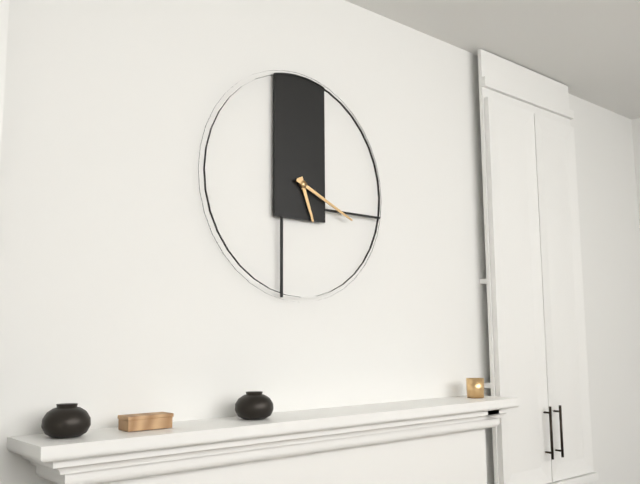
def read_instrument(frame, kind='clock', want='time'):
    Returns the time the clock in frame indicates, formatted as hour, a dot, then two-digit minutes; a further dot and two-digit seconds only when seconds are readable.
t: 5.19
